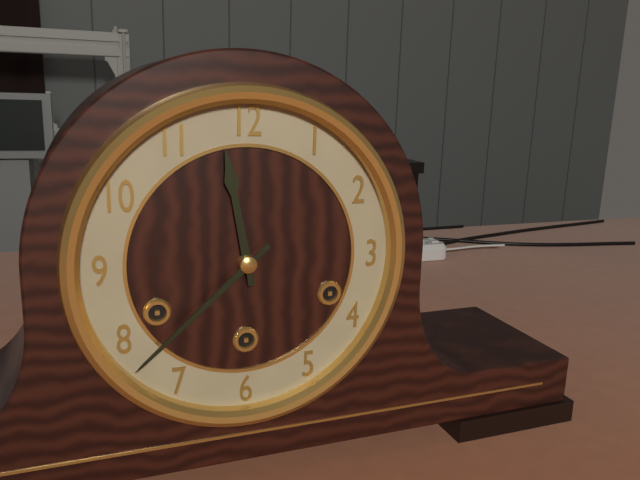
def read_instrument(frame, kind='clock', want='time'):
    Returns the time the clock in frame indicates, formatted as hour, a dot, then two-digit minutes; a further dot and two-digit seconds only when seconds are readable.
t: 11.38
